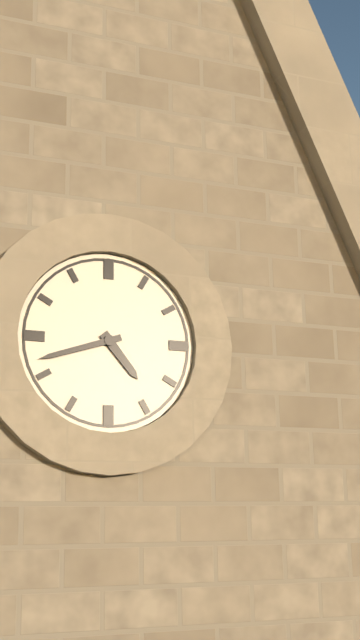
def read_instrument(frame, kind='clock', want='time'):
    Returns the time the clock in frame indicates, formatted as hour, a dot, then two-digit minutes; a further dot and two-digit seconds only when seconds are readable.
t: 4.42
